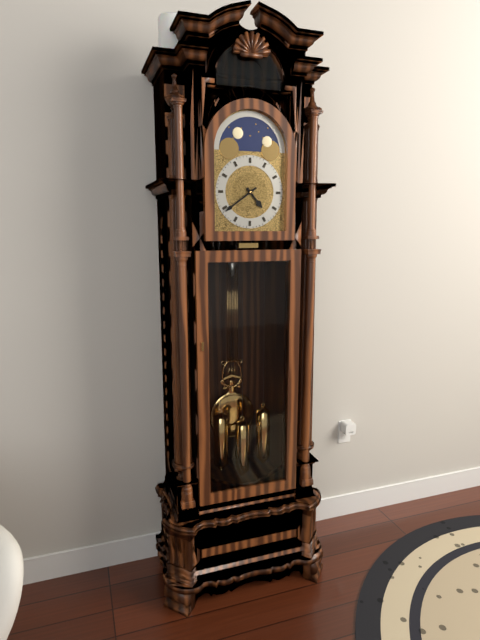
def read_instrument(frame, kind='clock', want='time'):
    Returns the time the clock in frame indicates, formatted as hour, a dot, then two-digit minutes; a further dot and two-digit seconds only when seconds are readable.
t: 4.39
